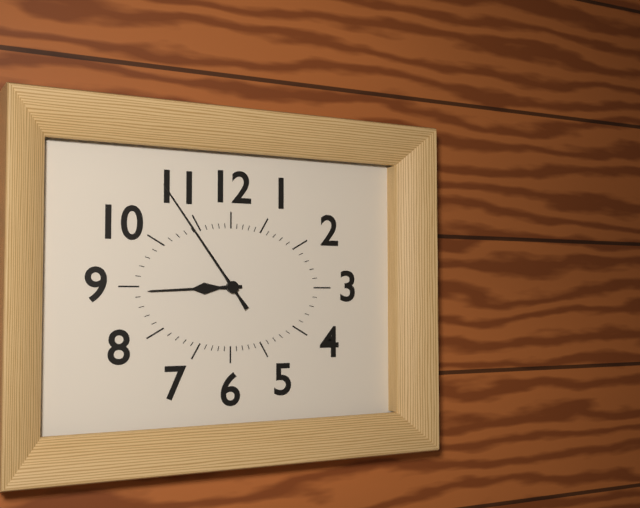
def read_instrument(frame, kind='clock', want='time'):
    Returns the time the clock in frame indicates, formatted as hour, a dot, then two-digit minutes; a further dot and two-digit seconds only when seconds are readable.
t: 8.54
